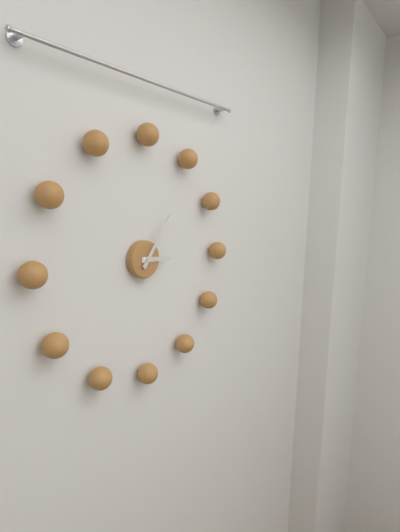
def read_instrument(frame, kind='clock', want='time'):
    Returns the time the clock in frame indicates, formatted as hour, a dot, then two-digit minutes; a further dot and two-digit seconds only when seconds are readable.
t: 3.06
